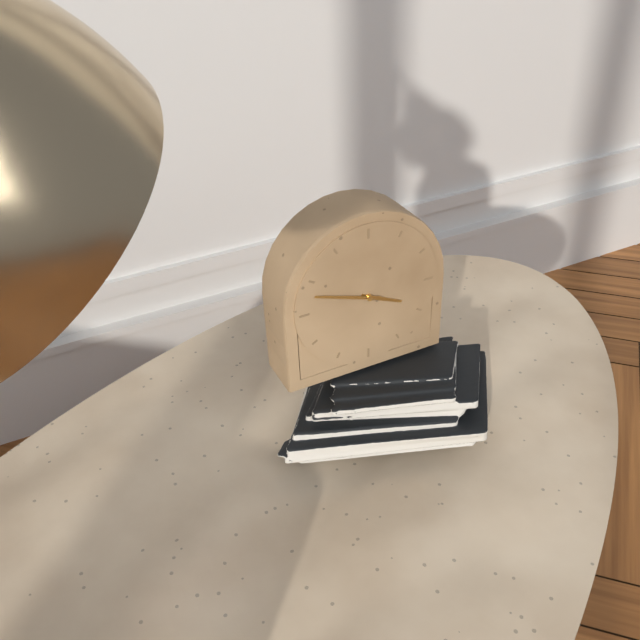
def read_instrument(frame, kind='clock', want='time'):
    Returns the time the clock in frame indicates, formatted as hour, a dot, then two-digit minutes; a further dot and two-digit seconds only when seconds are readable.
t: 3.48
